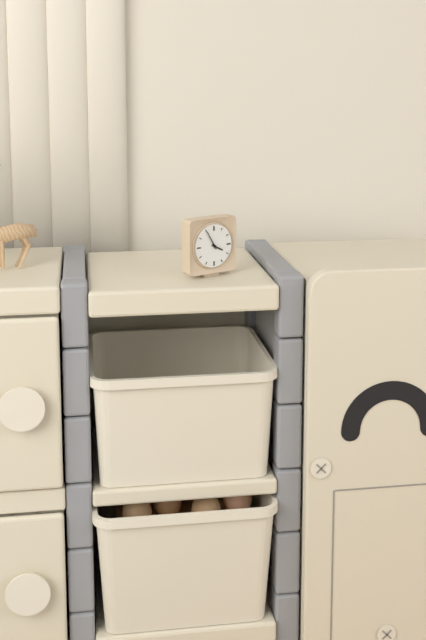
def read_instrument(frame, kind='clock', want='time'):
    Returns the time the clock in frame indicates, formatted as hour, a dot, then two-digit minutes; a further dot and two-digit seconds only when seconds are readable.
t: 3.55
